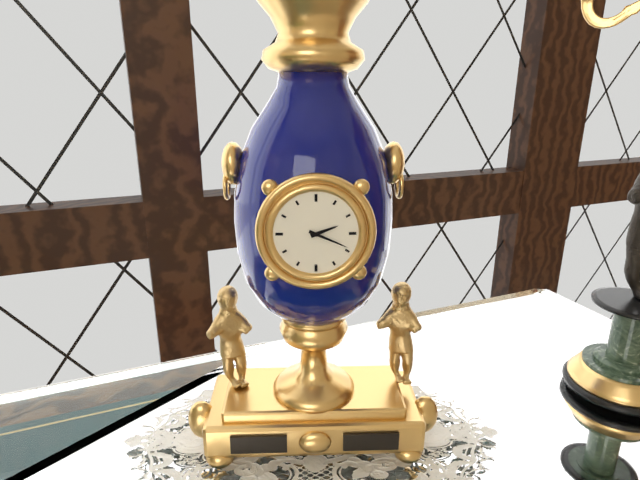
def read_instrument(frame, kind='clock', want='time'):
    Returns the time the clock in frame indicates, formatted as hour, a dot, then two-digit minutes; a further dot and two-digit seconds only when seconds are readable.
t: 2.19
